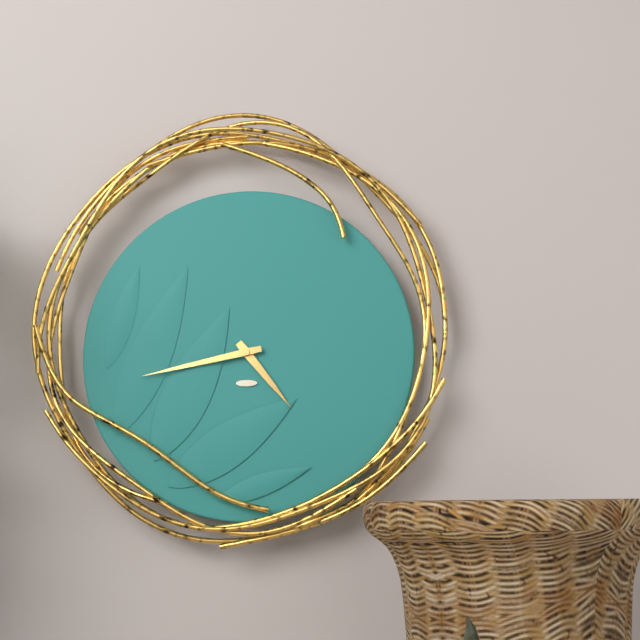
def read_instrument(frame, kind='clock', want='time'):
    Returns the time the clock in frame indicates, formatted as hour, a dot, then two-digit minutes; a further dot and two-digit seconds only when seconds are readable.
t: 4.43
